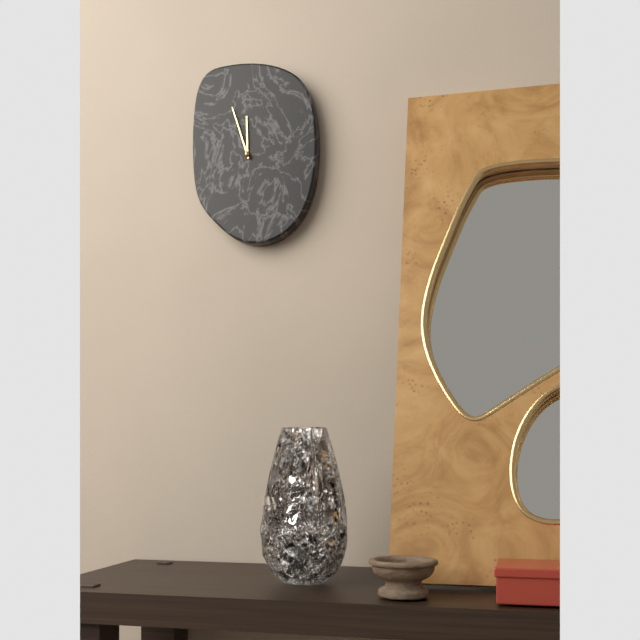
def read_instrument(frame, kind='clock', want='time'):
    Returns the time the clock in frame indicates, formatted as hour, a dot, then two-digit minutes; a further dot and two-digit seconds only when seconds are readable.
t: 11.57
